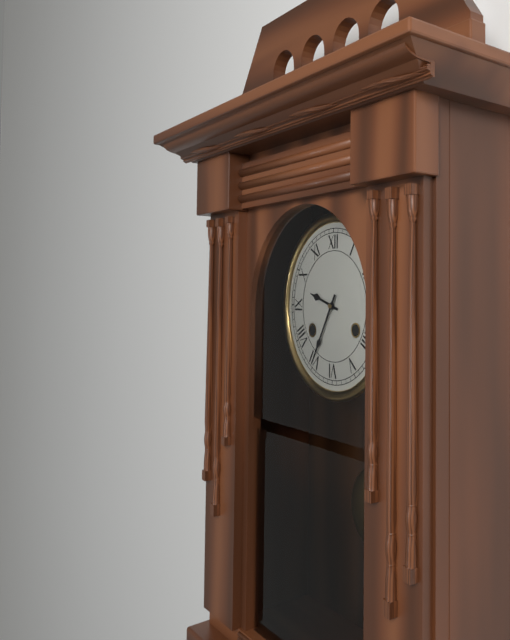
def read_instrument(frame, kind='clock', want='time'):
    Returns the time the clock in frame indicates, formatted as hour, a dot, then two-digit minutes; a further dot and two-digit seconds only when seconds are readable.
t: 9.35
